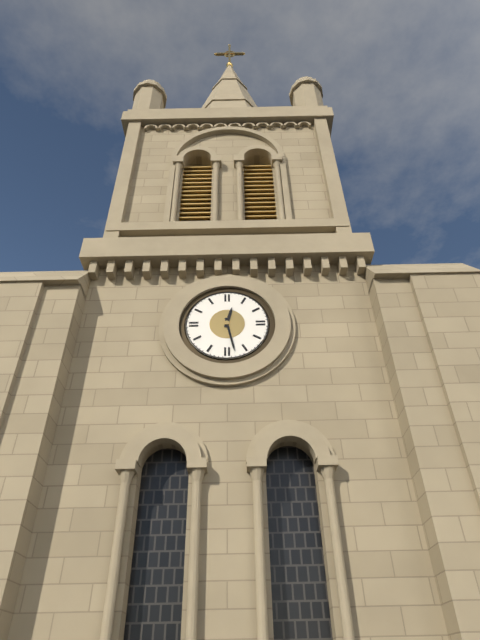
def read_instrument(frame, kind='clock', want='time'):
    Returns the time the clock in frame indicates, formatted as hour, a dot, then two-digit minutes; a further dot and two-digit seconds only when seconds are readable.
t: 12.28
